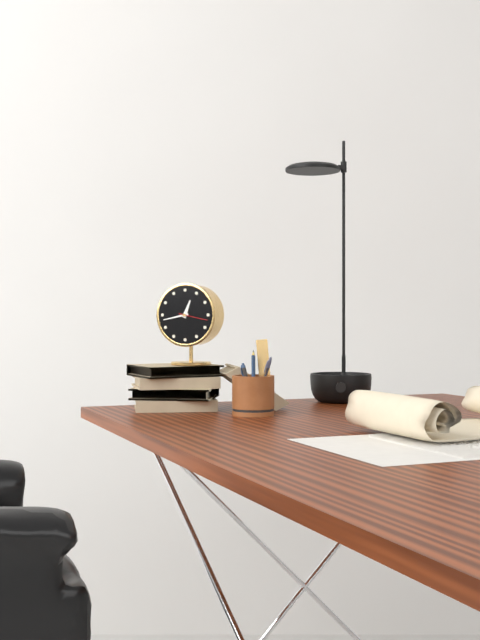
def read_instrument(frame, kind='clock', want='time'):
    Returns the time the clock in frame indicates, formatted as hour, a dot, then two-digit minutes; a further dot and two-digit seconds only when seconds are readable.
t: 12.43
